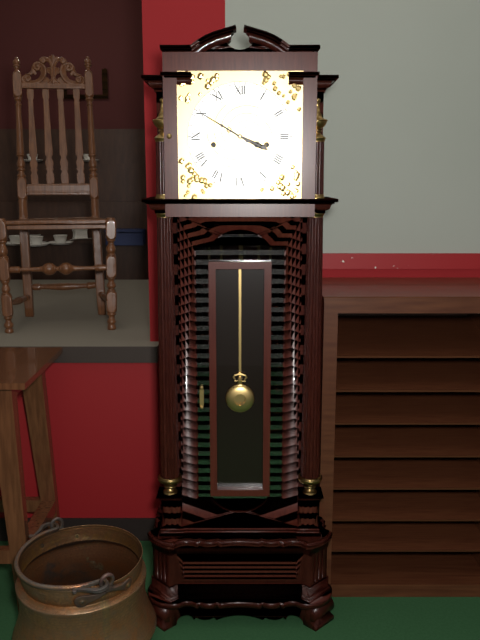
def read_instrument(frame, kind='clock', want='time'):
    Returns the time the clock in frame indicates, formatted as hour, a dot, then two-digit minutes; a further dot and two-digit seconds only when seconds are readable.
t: 3.50
